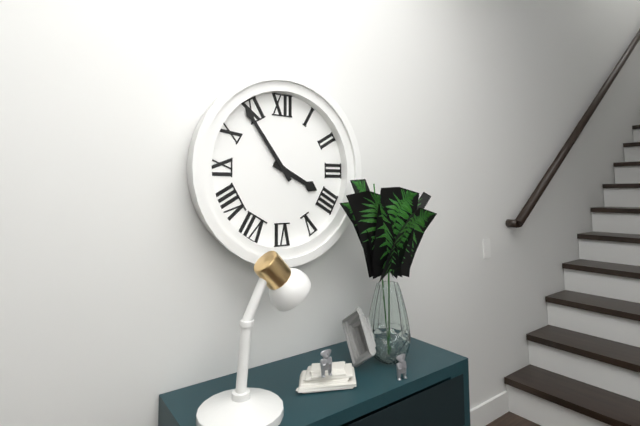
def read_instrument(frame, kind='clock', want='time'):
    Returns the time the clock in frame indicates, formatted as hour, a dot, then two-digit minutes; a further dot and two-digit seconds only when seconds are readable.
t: 3.54
